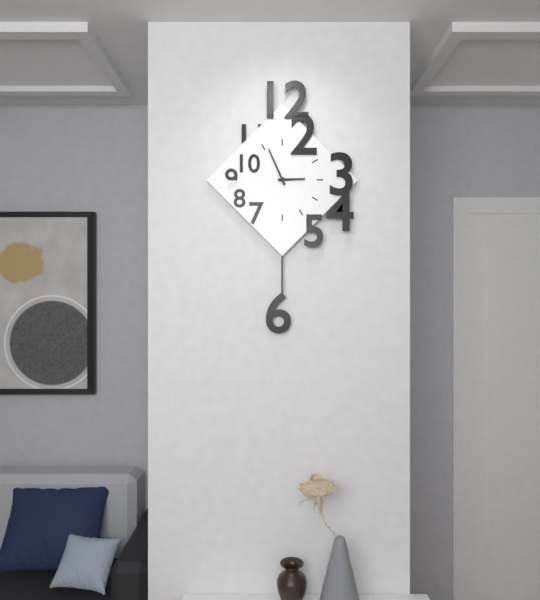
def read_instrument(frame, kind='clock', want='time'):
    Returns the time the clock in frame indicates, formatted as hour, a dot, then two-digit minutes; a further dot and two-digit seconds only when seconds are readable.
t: 2.56
